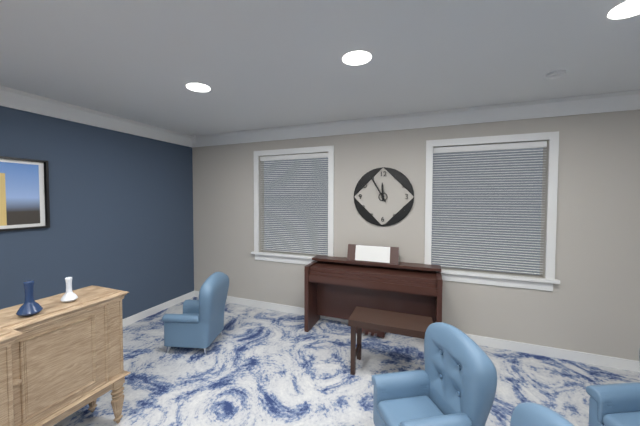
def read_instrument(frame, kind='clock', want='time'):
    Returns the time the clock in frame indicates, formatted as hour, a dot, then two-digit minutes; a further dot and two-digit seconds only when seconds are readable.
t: 11.55
